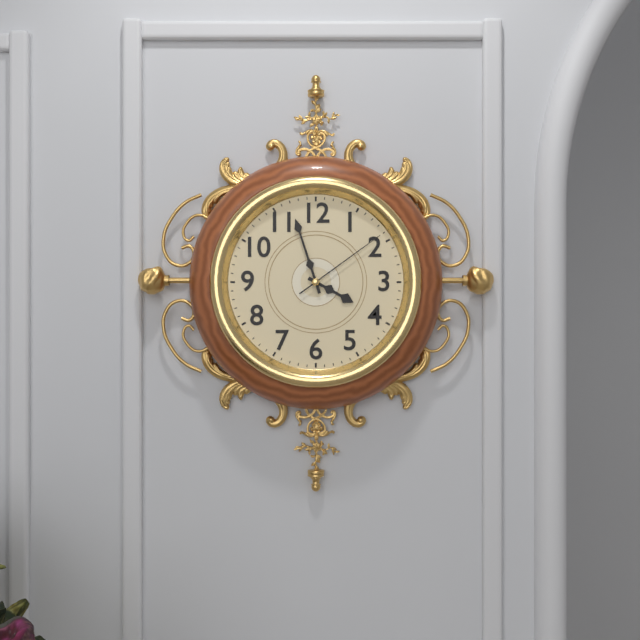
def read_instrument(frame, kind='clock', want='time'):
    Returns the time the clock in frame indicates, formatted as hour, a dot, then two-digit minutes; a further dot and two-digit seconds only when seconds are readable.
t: 3.57.09
